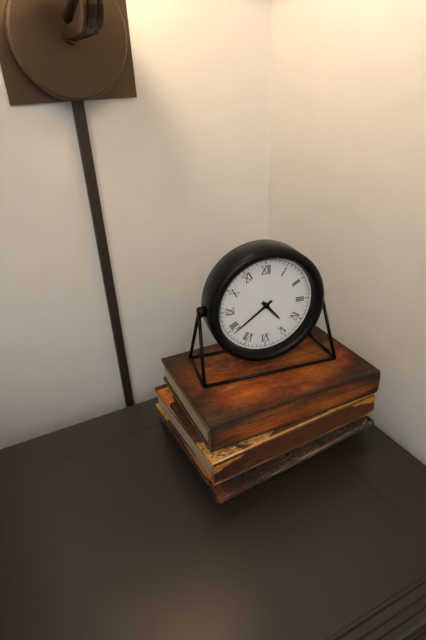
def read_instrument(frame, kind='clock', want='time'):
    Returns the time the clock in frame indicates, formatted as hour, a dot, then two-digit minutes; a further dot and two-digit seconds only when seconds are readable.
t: 4.39
